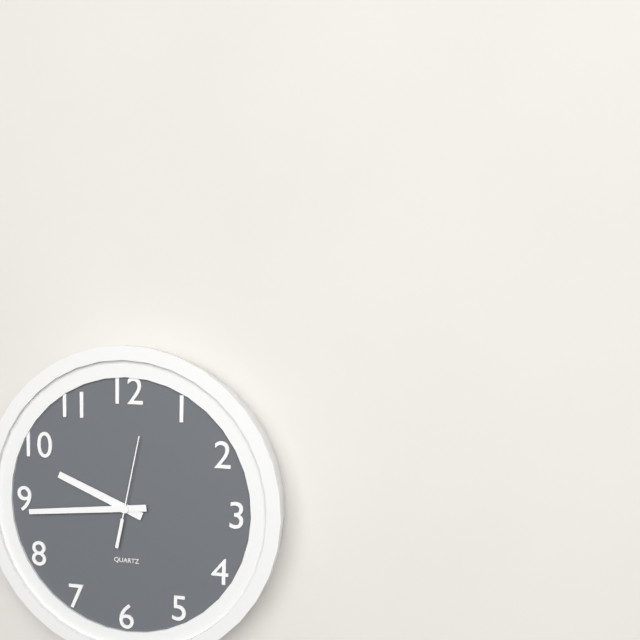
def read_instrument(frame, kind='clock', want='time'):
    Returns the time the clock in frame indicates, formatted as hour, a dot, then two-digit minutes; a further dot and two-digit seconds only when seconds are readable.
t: 9.44.02
